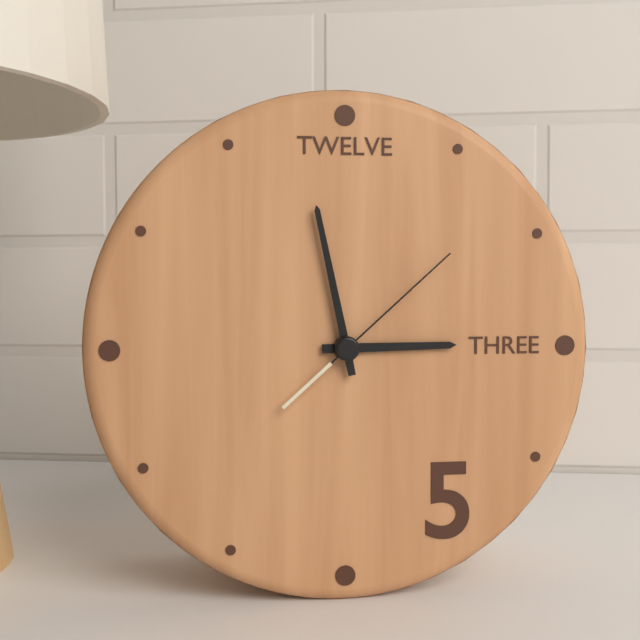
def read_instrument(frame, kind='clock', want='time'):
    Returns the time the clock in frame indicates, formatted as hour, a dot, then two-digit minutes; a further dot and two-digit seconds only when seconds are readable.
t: 2.58.08
